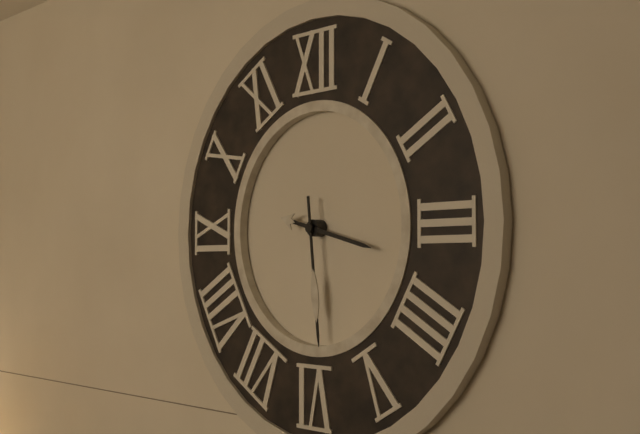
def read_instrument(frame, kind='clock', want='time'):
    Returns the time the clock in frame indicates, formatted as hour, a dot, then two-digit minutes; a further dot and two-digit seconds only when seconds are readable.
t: 3.29
